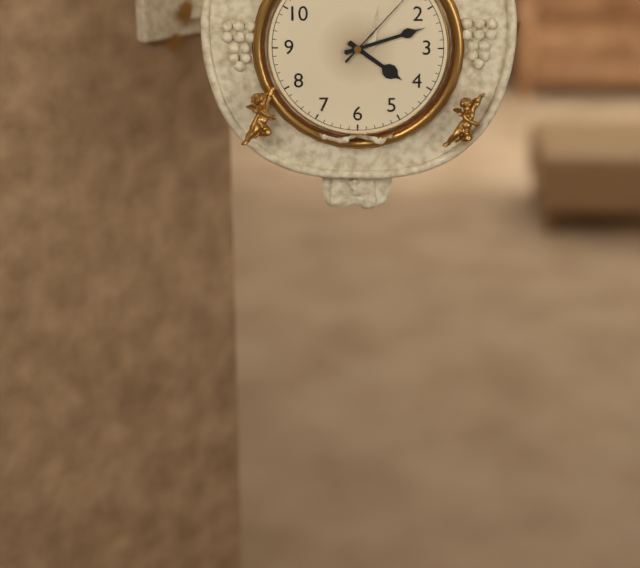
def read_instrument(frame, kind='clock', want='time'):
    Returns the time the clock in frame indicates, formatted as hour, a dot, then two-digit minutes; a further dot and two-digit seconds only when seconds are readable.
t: 4.12
